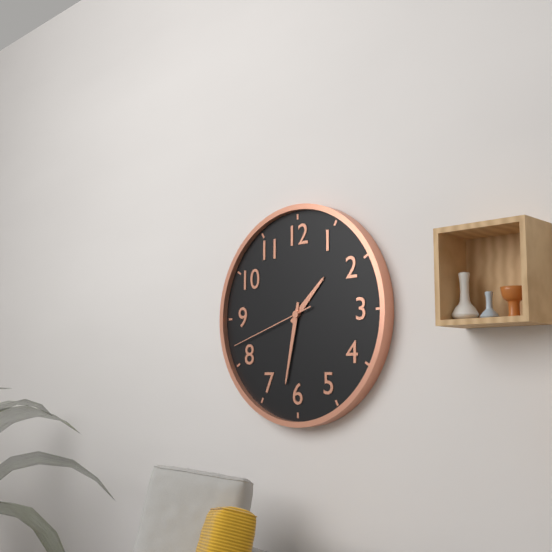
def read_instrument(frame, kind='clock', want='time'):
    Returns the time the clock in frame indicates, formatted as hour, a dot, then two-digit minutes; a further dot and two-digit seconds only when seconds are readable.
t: 1.32.42
